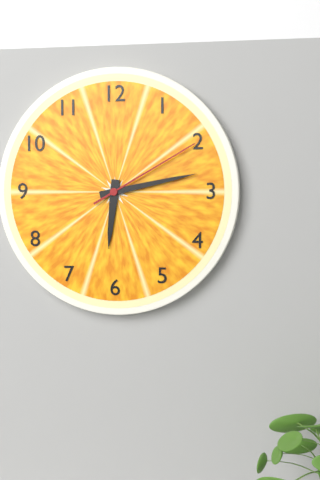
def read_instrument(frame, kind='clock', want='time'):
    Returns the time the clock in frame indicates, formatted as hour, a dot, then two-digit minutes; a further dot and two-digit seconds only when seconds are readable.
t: 6.13.10
